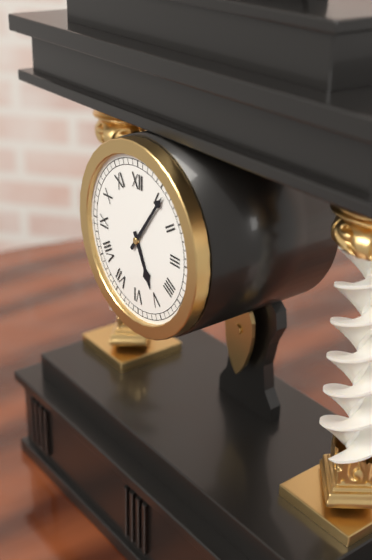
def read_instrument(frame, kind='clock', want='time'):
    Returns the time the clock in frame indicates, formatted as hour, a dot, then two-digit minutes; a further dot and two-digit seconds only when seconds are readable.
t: 5.06
